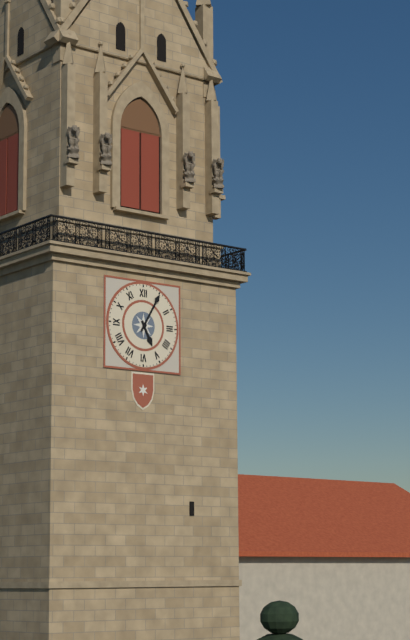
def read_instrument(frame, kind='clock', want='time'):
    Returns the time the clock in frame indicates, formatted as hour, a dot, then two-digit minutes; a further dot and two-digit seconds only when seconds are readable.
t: 5.05
